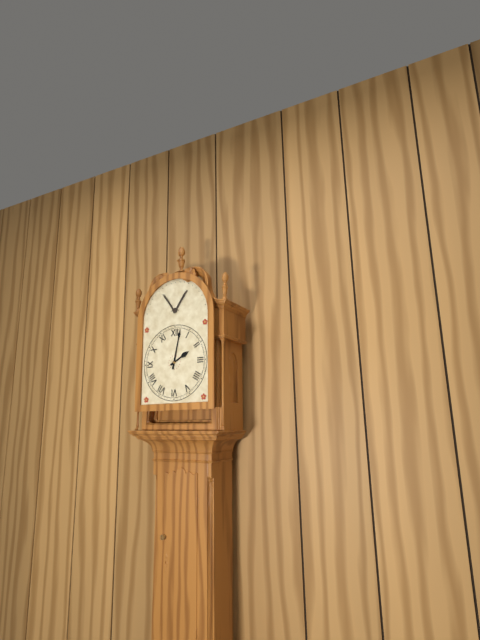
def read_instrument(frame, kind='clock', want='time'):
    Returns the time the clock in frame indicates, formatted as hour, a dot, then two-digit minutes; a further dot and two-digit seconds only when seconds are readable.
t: 2.02
